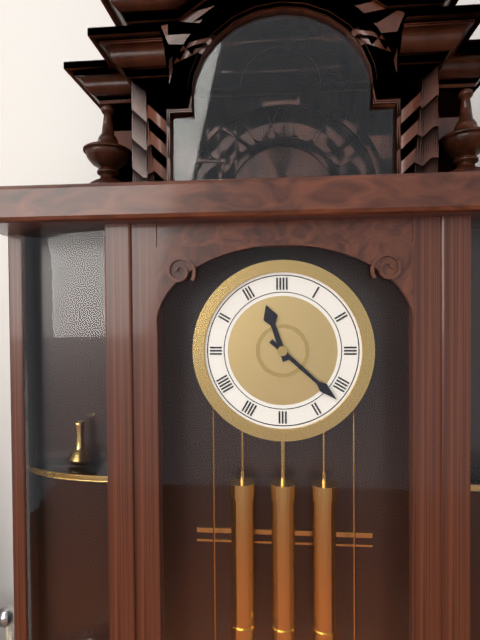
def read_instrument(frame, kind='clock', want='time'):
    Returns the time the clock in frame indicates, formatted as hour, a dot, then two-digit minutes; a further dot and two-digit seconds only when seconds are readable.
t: 11.22
